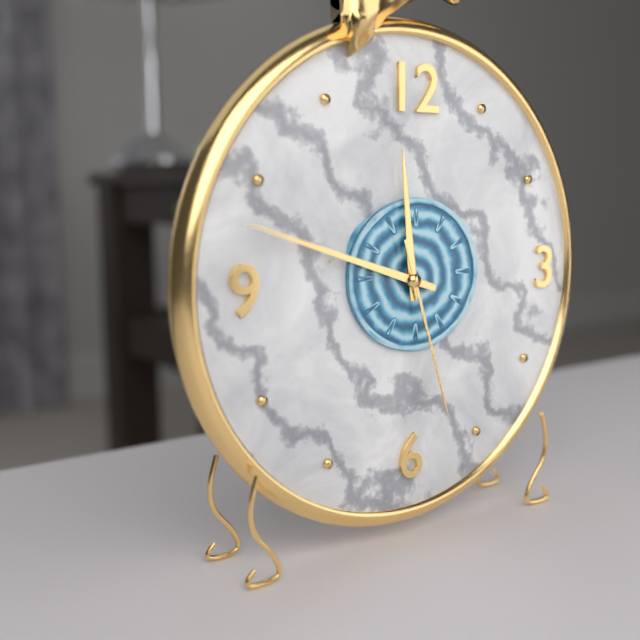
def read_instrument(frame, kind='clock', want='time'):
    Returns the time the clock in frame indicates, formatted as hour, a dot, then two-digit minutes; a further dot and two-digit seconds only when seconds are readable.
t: 11.48.27
